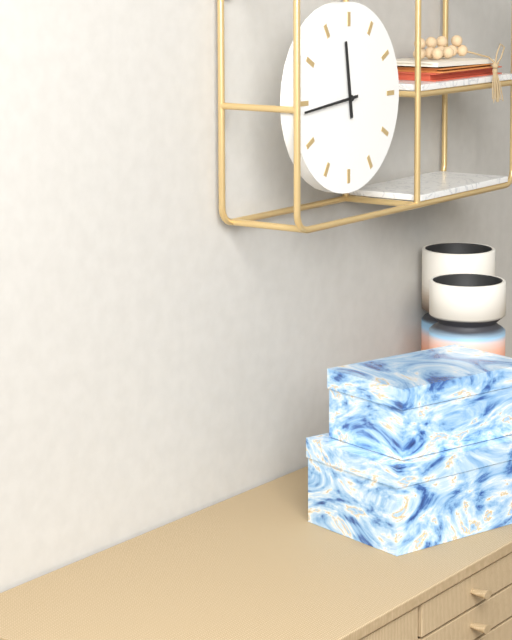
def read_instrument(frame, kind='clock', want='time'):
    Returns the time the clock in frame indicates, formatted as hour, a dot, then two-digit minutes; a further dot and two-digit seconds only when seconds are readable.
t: 11.44
